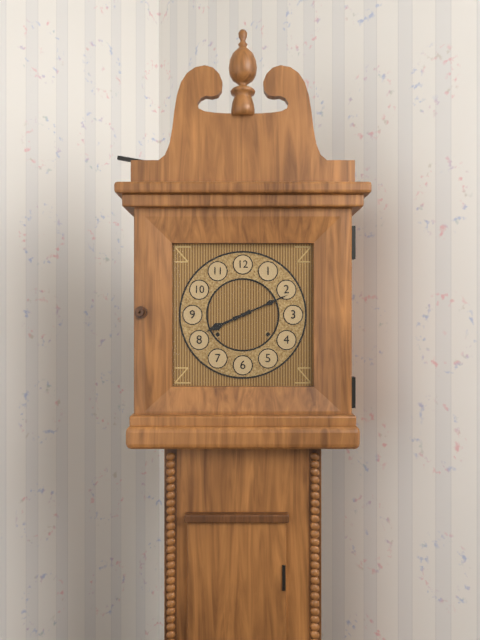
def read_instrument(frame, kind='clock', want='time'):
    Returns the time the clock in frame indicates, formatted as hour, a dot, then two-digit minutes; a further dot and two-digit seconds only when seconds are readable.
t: 8.11
